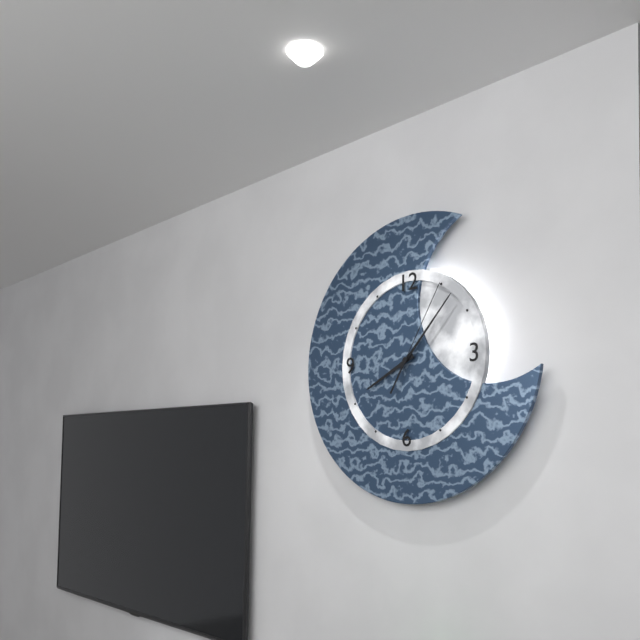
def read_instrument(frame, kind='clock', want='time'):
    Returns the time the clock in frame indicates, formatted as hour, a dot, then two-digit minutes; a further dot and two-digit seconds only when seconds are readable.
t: 8.07.05
